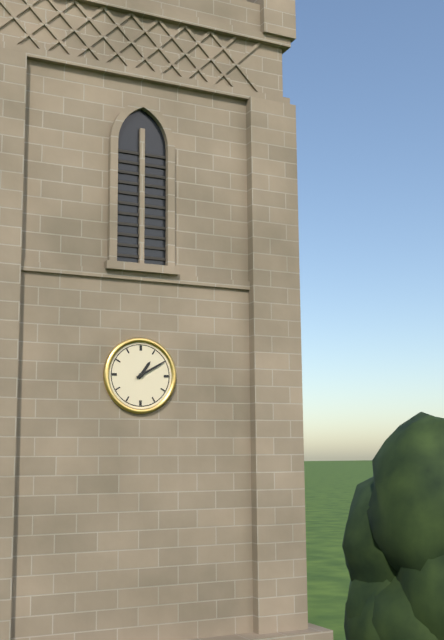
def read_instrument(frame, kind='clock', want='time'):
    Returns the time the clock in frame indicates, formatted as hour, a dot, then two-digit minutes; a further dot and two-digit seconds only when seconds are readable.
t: 1.10
